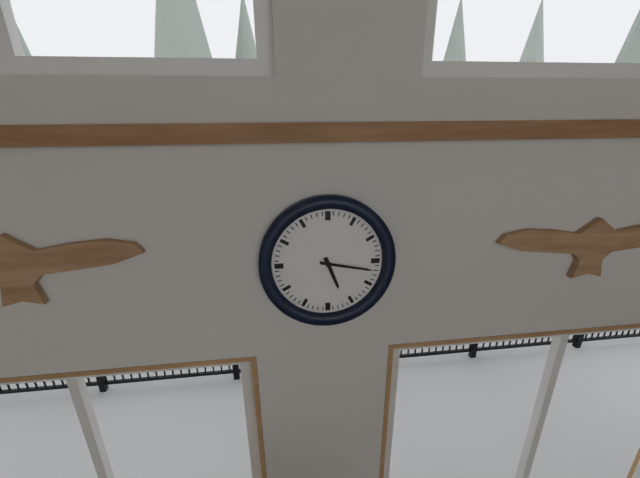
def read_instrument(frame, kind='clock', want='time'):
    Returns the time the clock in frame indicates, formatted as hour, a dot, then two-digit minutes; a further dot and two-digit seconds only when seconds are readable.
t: 5.17
